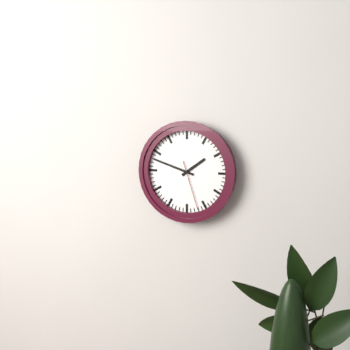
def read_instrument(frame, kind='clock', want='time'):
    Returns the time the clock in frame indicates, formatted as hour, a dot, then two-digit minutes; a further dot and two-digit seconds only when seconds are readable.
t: 1.48
